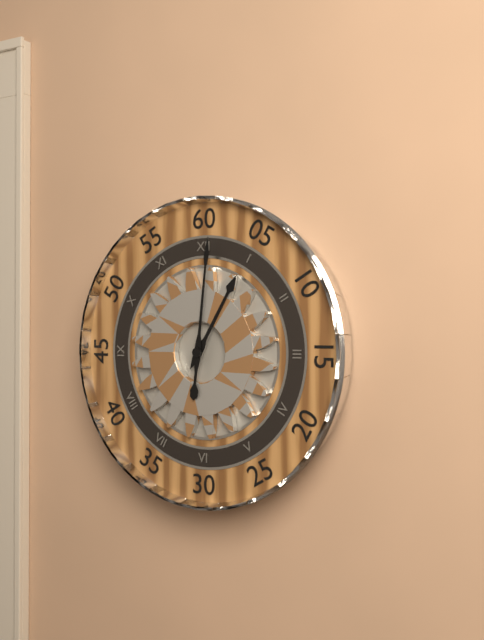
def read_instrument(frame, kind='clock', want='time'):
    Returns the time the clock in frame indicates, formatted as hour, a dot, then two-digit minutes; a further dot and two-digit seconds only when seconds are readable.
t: 1.01
